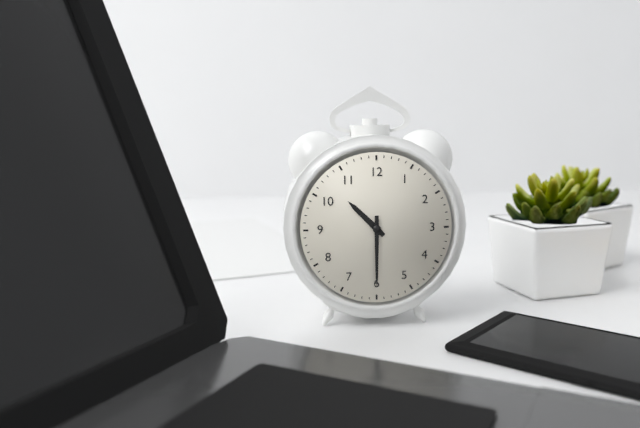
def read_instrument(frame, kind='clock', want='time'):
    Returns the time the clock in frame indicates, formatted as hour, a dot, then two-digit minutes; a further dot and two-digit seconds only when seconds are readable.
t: 10.30
